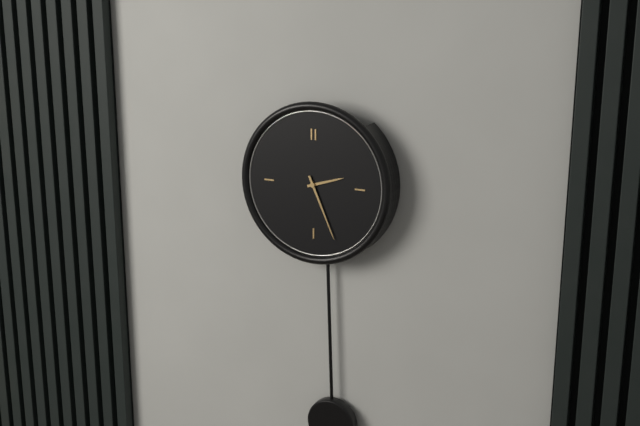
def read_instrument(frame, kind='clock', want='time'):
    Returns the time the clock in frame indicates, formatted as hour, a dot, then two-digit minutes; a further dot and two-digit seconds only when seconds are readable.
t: 2.26
